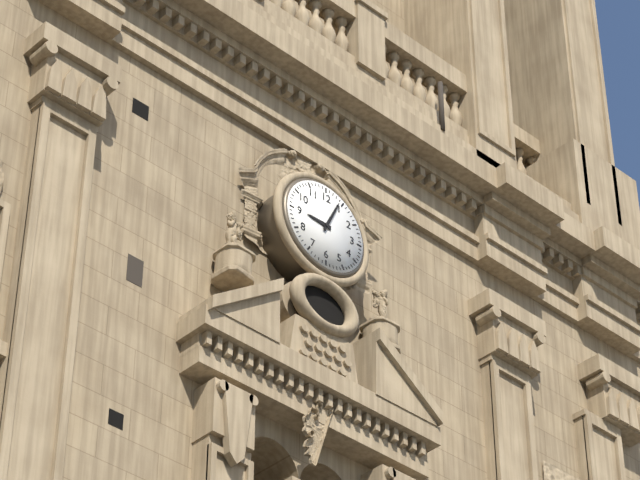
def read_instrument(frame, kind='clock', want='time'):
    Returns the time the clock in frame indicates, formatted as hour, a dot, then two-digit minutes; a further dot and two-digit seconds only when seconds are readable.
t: 9.04
